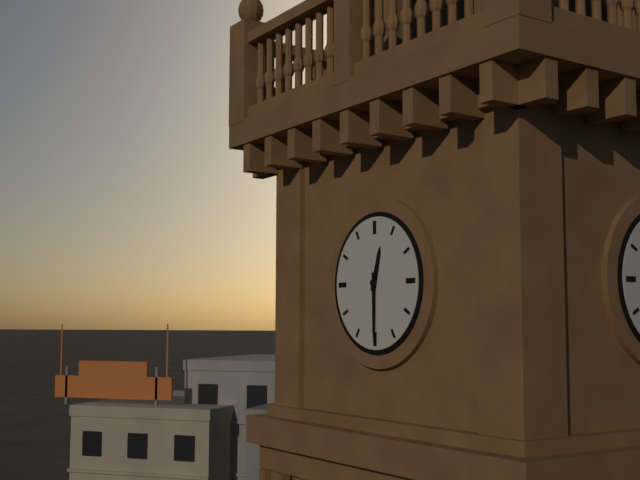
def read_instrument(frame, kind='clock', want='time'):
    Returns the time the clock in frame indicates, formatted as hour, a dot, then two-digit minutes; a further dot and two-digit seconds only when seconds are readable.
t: 12.30
